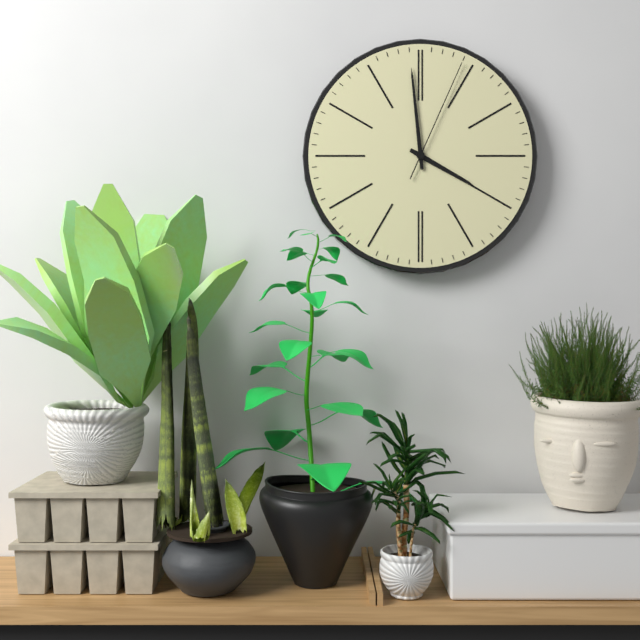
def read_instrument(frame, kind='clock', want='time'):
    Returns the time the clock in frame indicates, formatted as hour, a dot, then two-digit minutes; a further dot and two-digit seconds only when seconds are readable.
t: 3.59.04
